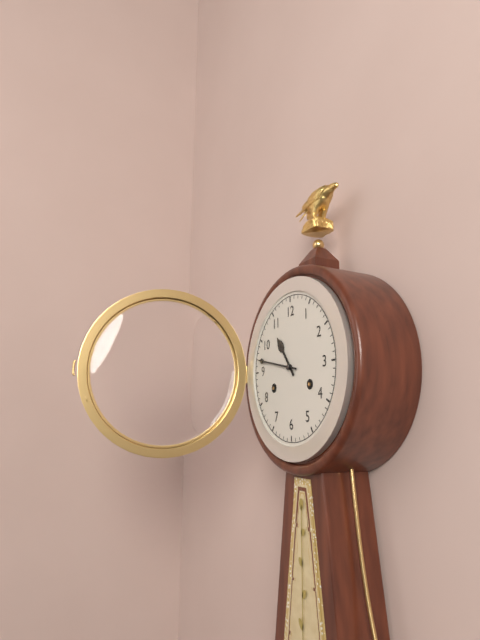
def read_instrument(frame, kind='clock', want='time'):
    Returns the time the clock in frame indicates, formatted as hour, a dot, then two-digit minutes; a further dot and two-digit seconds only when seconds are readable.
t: 10.47
